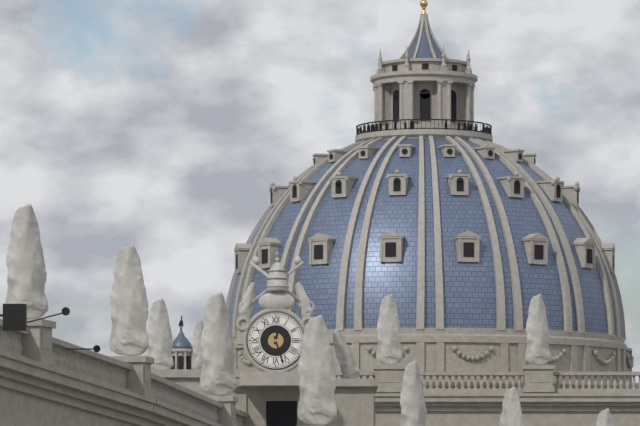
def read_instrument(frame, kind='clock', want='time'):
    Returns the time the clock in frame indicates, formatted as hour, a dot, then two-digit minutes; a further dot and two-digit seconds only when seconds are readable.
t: 12.27
